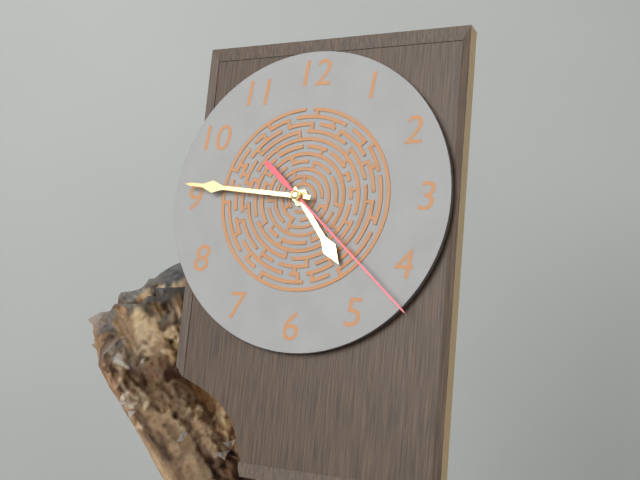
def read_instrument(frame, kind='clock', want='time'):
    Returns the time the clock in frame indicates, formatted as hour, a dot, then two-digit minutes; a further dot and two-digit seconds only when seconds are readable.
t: 4.46.22
